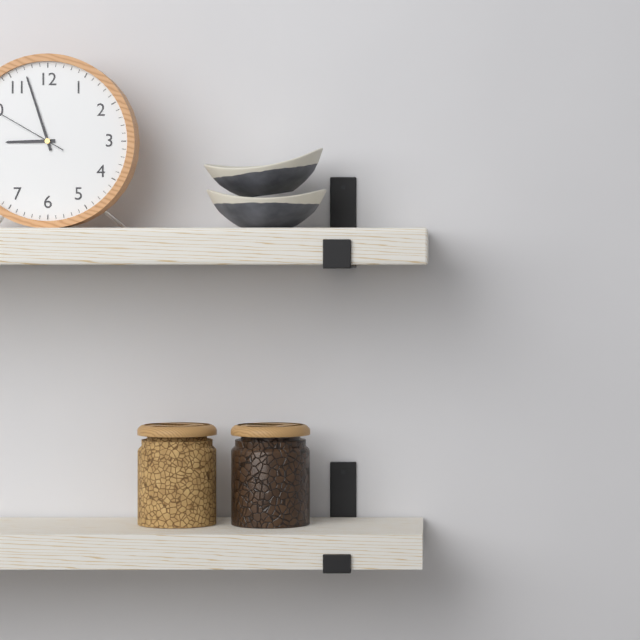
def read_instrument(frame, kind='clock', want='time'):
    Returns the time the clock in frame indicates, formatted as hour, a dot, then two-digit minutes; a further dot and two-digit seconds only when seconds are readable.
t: 8.57
